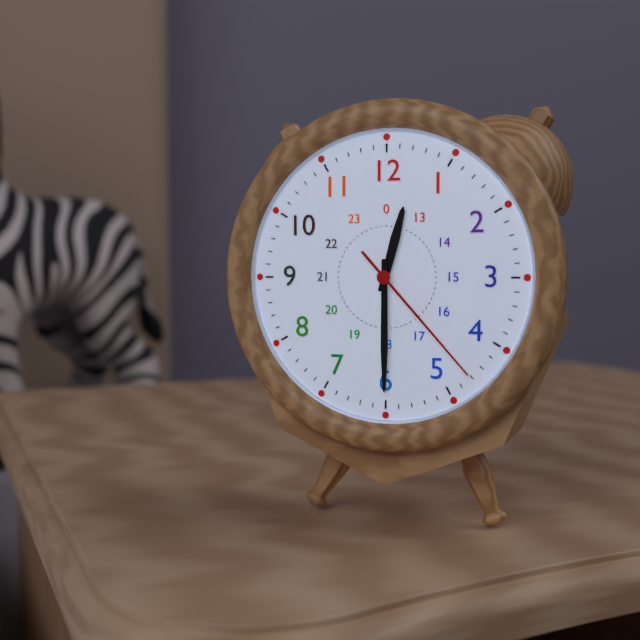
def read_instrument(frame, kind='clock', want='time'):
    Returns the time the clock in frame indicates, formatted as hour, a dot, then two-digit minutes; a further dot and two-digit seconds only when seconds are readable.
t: 12.30.23
